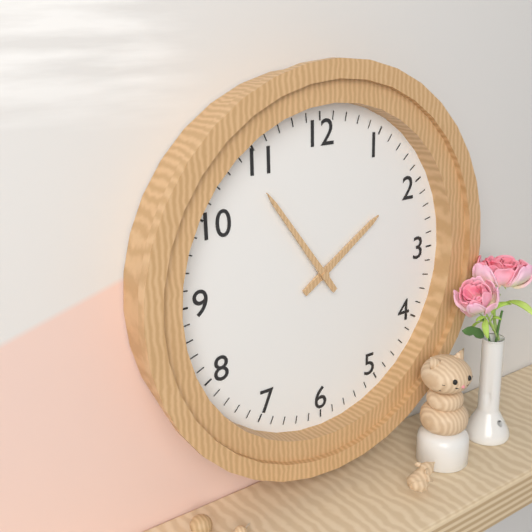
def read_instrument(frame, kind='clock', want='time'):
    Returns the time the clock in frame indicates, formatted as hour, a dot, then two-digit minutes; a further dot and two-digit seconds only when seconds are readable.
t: 1.54
